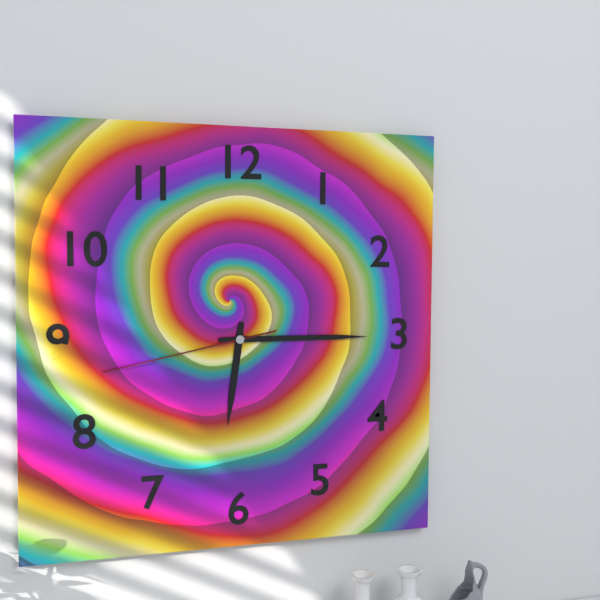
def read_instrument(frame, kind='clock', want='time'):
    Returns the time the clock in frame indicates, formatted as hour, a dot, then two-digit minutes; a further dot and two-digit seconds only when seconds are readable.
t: 6.15.43
